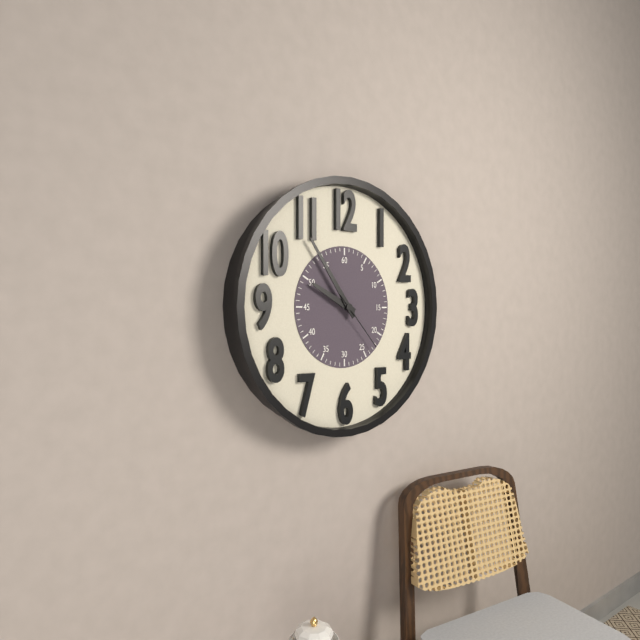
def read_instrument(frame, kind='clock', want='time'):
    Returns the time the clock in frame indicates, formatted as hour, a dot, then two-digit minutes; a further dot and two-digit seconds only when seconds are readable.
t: 9.54.23
